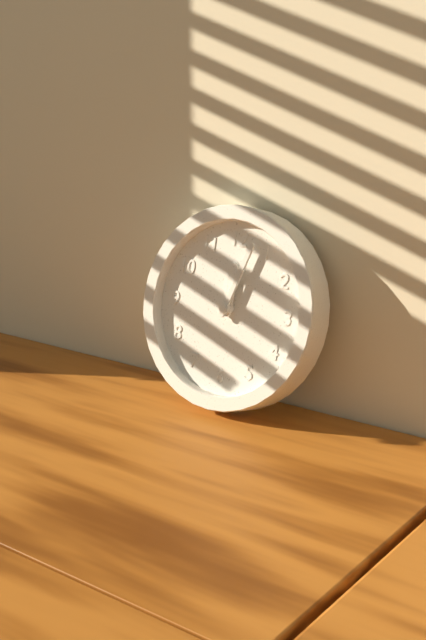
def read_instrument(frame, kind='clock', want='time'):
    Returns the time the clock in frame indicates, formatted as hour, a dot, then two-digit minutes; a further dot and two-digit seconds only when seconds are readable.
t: 12.03
